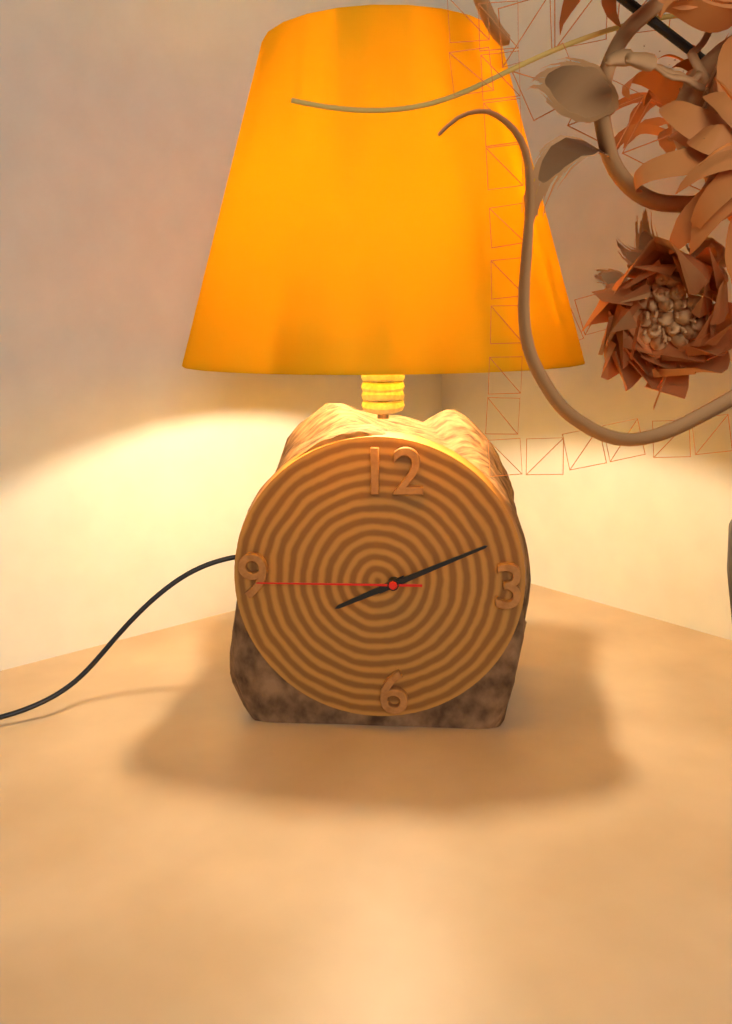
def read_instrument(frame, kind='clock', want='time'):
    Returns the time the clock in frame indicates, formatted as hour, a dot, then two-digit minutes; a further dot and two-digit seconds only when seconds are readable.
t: 8.11.45
